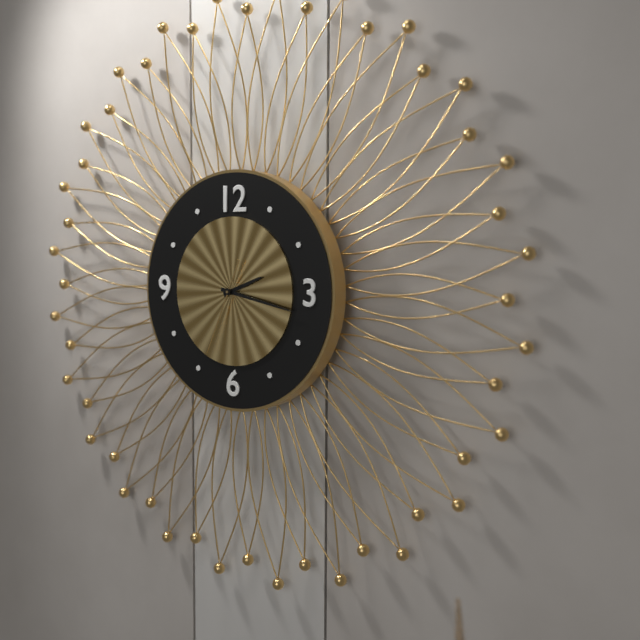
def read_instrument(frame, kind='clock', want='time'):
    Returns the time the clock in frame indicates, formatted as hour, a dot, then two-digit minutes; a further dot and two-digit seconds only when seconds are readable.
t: 2.17.34
